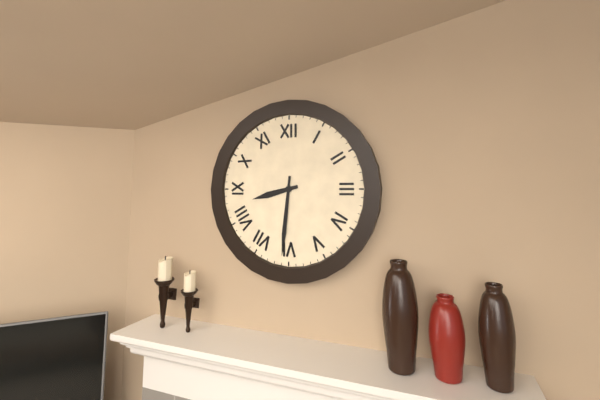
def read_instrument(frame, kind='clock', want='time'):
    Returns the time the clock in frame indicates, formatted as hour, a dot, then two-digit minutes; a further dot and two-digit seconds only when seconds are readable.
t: 8.31
